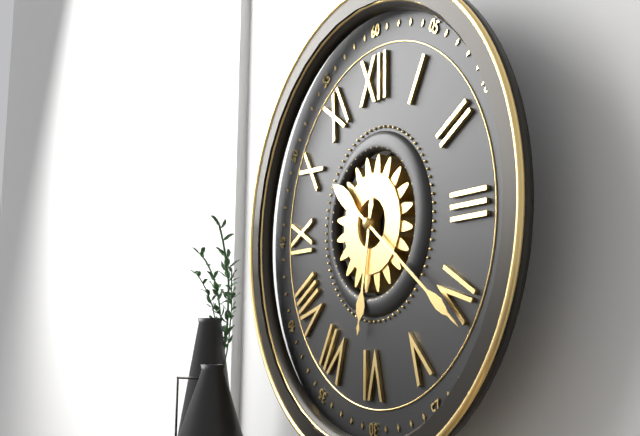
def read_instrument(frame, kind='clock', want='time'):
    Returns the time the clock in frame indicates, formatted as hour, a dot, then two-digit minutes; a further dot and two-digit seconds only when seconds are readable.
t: 6.21
